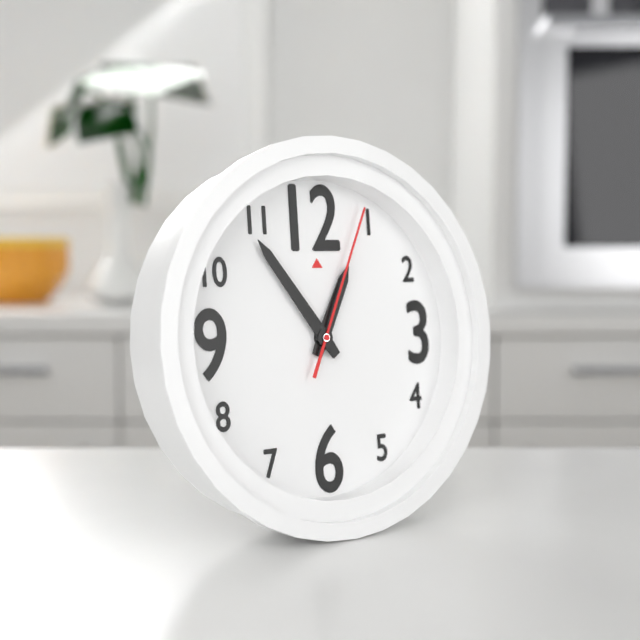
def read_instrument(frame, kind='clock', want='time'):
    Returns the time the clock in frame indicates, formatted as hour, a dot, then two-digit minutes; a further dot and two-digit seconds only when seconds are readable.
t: 12.54.04
